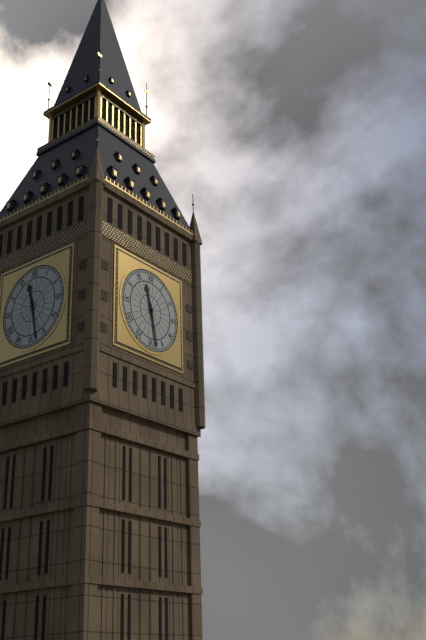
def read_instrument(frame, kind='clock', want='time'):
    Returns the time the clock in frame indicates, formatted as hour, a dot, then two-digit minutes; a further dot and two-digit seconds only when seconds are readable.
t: 11.28
